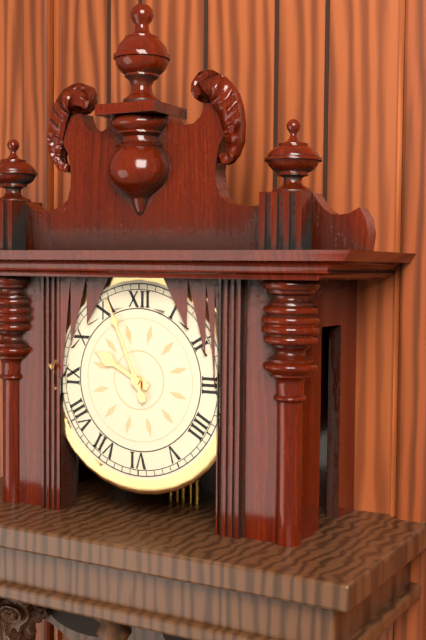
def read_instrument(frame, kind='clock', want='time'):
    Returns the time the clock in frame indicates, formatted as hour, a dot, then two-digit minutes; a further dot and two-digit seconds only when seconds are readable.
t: 9.56
